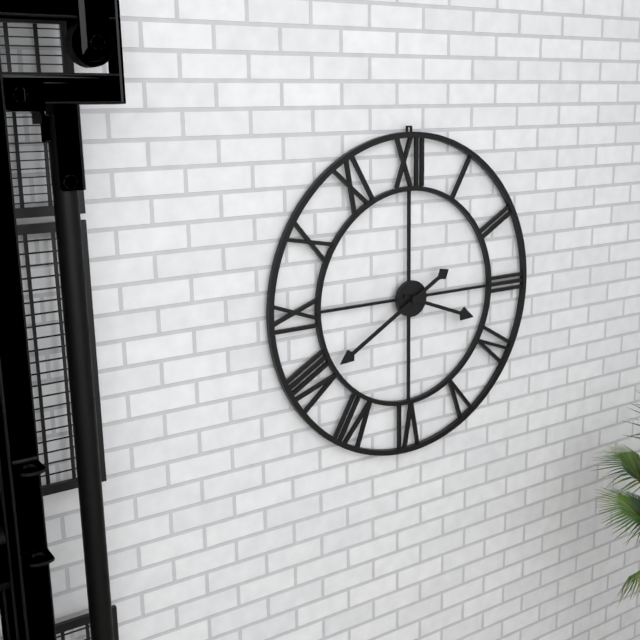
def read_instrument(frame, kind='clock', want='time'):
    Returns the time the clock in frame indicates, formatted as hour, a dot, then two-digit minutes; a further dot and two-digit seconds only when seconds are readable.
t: 3.40
